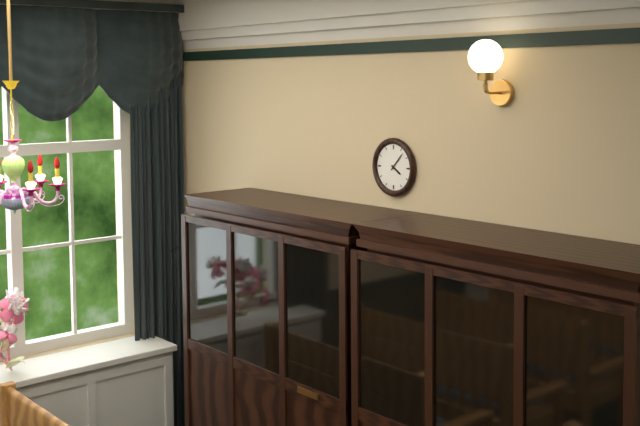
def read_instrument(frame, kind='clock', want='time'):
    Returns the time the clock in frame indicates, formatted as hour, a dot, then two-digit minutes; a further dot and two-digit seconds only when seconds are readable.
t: 4.07
